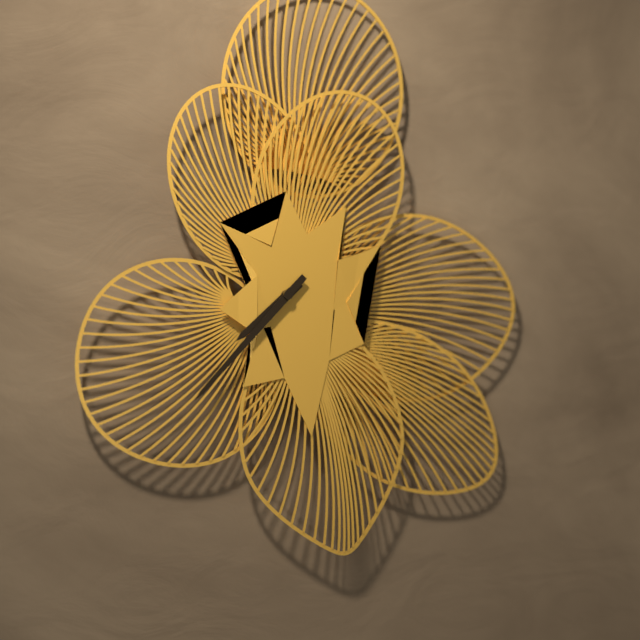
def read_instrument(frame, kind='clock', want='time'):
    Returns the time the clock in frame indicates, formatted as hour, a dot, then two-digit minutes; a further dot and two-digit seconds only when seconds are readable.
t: 7.37
